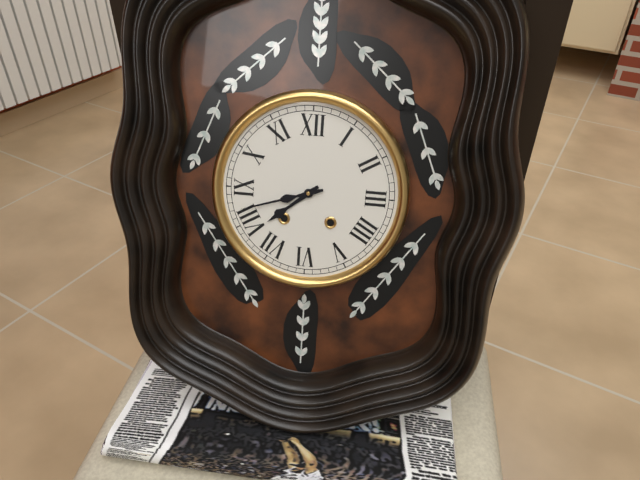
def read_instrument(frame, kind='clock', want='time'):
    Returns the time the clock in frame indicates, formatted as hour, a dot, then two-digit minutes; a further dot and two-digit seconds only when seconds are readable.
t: 7.42
